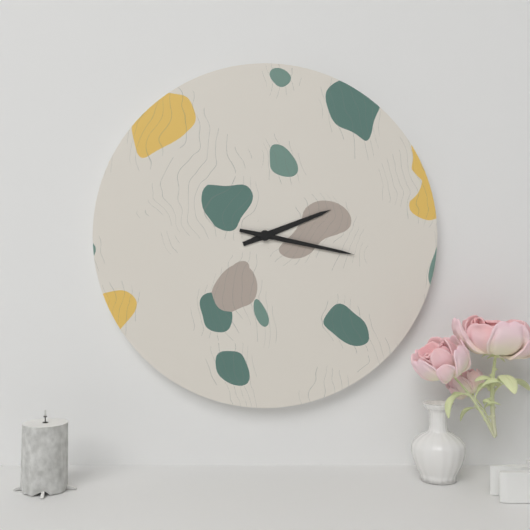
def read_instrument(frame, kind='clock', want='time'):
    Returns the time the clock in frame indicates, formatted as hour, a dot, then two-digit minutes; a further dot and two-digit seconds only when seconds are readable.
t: 2.17
